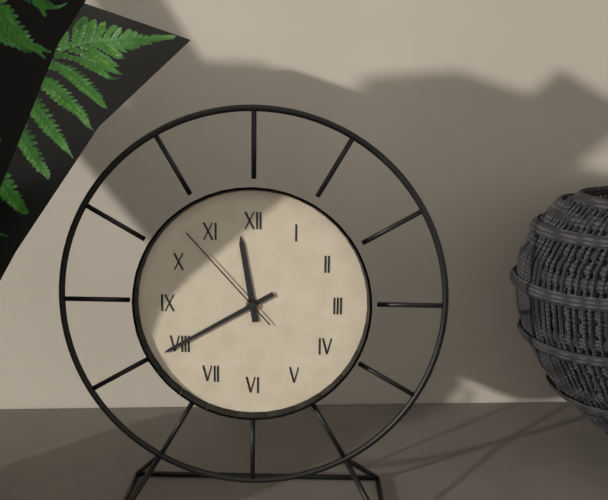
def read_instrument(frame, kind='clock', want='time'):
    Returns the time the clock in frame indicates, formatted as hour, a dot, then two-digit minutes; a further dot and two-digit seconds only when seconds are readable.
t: 11.40.53
